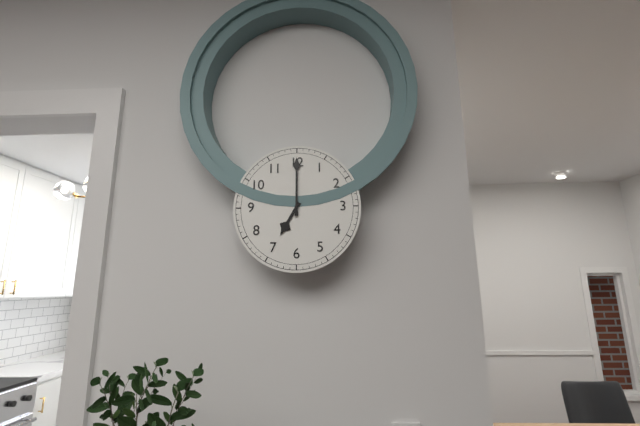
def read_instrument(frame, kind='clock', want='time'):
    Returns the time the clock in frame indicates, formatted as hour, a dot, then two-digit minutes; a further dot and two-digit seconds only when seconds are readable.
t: 7.00
